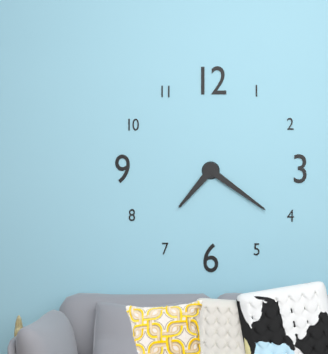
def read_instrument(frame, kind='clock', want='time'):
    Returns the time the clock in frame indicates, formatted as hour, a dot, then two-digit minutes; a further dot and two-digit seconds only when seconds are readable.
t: 7.21
